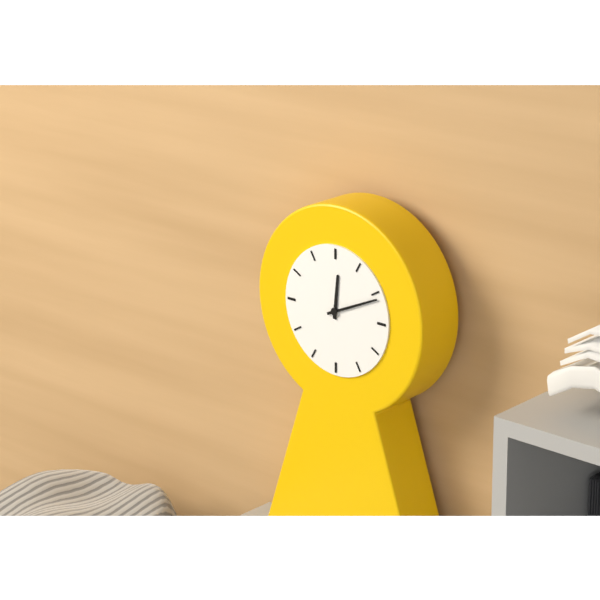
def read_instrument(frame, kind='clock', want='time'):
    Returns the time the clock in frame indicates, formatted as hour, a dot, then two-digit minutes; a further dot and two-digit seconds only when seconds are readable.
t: 12.11
